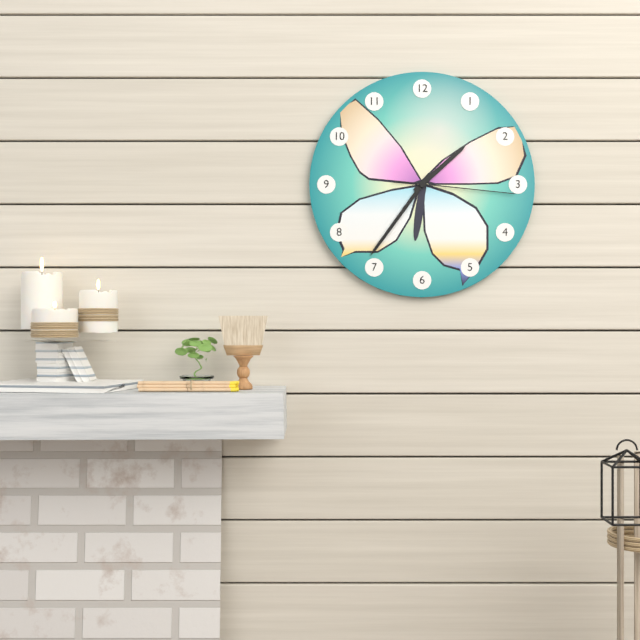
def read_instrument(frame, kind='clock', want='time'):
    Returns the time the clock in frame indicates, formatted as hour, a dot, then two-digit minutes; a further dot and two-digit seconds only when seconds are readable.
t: 1.36.16
